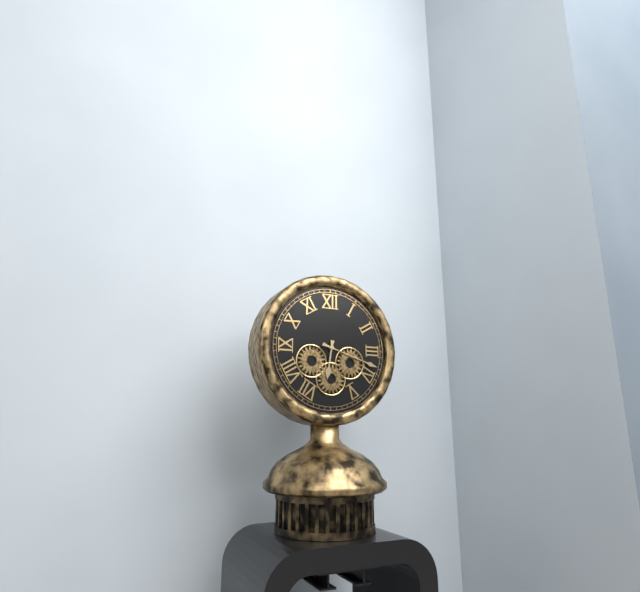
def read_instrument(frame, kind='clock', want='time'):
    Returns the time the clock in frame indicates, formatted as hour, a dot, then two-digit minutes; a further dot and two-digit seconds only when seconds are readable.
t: 6.18
